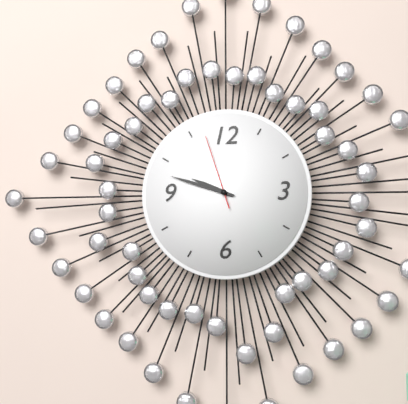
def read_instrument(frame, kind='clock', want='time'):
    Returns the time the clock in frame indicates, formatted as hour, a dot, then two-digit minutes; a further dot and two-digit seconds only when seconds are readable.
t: 9.48.57
